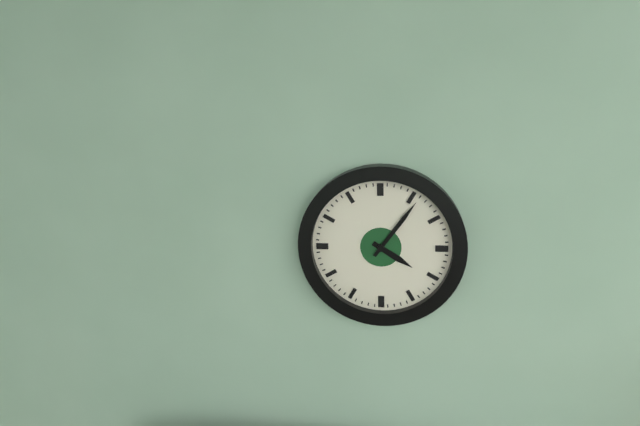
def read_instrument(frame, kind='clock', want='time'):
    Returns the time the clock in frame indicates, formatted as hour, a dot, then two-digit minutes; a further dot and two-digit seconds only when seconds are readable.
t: 4.06
